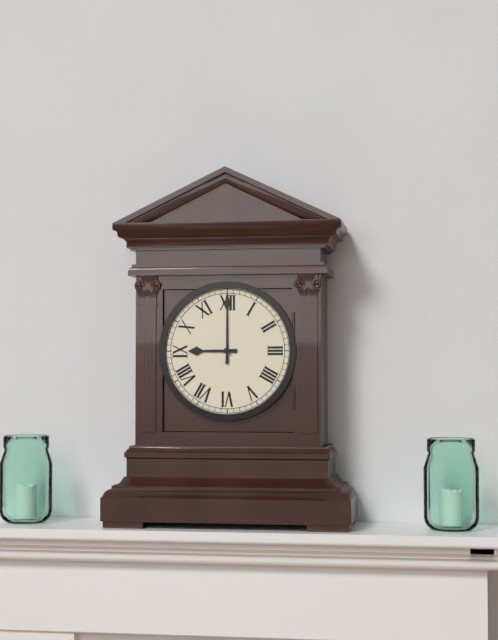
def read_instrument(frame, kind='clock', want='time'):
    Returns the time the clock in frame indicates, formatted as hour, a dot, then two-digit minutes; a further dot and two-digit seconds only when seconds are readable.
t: 9.00
